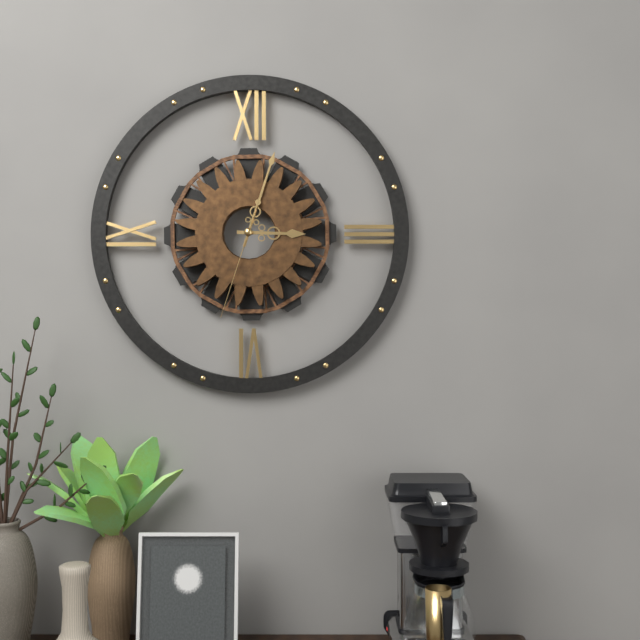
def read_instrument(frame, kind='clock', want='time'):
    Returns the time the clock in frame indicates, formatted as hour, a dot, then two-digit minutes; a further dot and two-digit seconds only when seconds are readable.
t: 3.03.33
